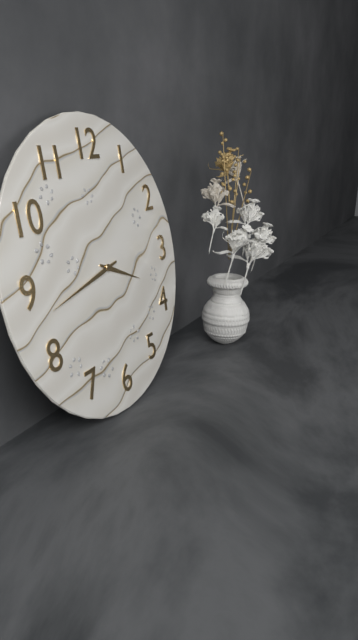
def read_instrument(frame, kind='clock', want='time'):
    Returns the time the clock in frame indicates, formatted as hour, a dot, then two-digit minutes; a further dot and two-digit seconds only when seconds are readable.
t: 3.43
